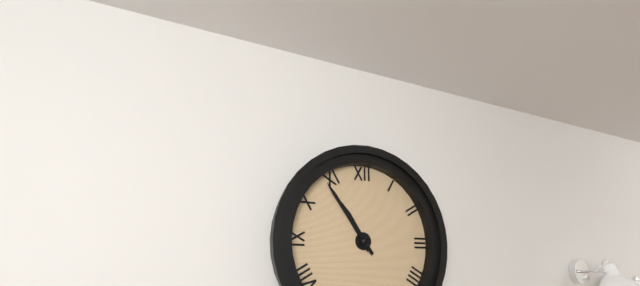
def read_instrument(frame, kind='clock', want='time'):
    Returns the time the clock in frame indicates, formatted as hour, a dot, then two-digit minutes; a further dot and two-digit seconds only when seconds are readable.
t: 10.54
